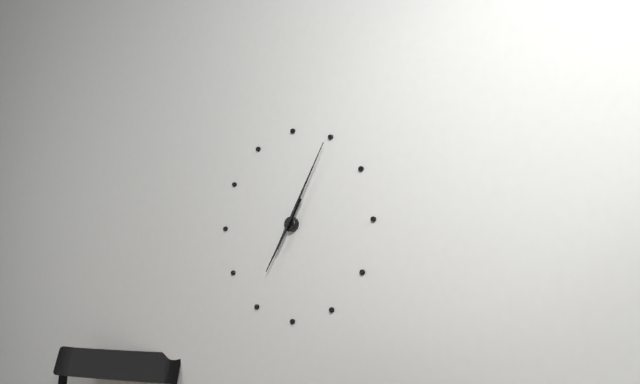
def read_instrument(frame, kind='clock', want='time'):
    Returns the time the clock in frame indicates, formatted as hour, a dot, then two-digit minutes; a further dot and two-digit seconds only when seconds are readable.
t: 7.05
